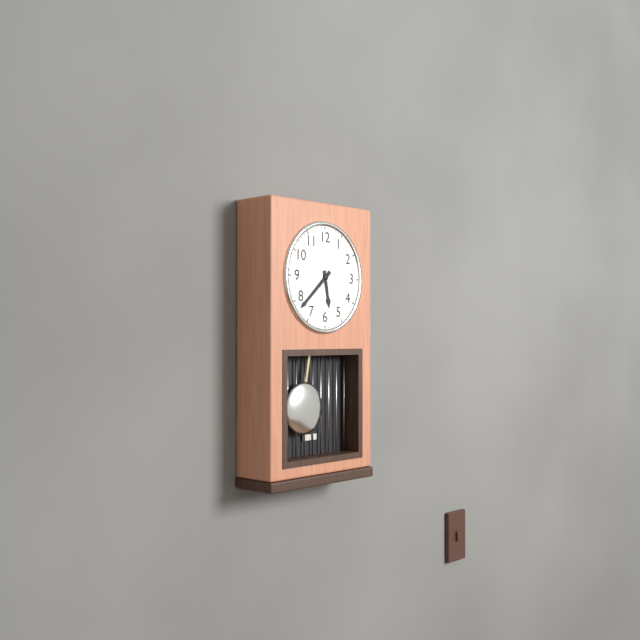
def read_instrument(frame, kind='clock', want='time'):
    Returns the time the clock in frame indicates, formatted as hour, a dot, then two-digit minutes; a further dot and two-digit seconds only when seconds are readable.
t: 5.38
